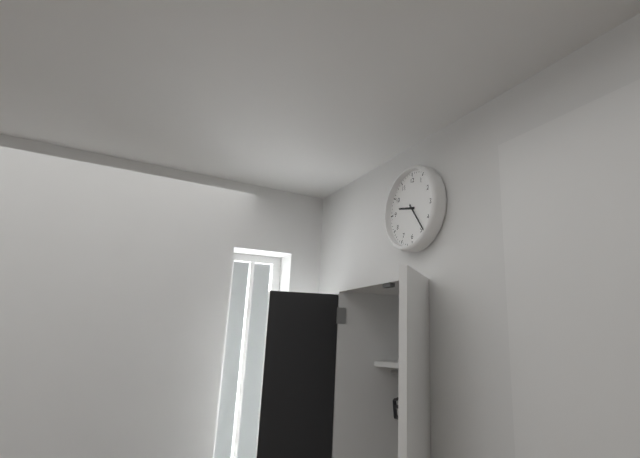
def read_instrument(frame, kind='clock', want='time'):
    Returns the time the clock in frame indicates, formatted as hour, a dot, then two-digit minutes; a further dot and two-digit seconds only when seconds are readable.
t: 9.24
